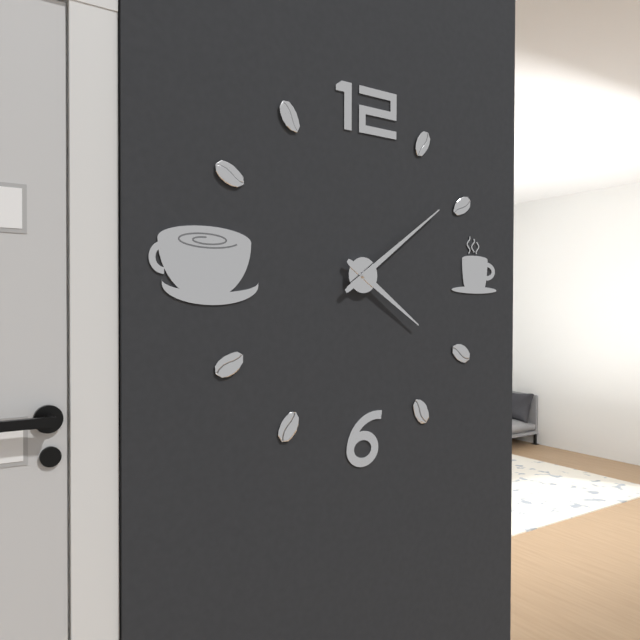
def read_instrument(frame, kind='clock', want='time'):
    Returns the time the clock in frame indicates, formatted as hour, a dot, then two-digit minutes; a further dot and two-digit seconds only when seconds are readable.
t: 4.09
